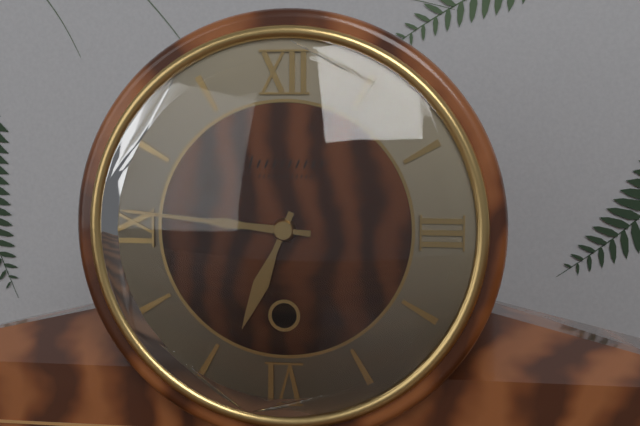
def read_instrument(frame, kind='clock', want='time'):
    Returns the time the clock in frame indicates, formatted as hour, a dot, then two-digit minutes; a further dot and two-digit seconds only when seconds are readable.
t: 6.46
